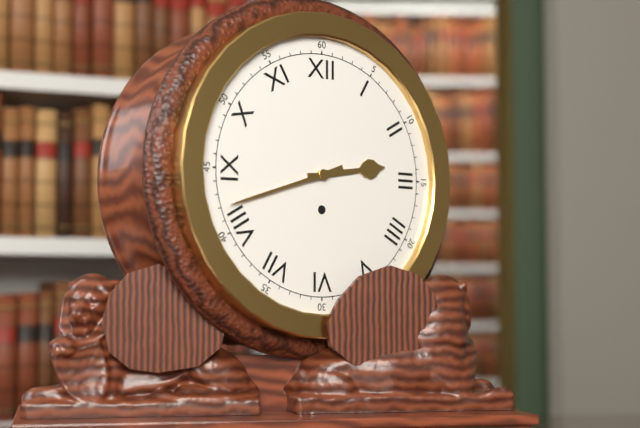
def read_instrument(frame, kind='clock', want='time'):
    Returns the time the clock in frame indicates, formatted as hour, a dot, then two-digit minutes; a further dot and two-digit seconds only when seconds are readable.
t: 2.42
